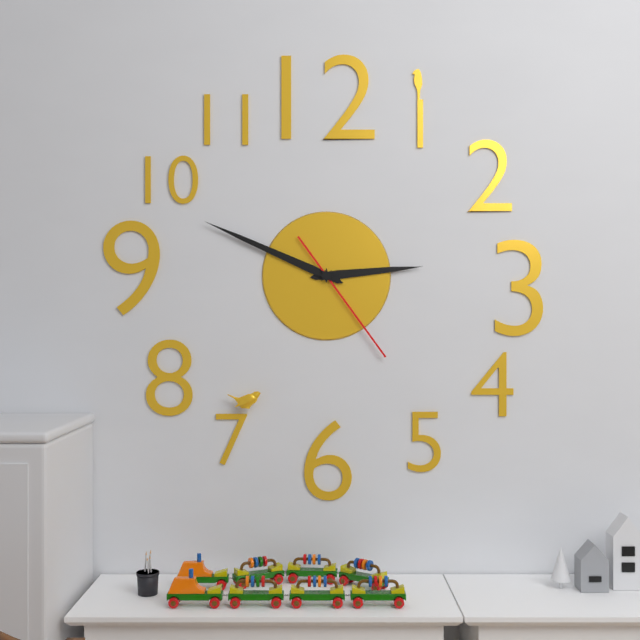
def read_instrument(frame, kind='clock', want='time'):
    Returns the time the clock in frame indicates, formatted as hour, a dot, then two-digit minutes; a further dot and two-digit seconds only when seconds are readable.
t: 2.49.24
